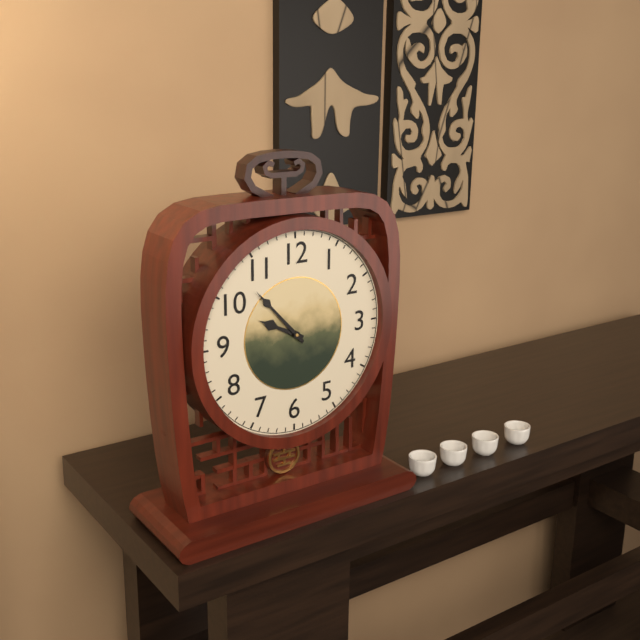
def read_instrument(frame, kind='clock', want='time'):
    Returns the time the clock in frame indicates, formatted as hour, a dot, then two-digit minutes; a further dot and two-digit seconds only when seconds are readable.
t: 9.53
